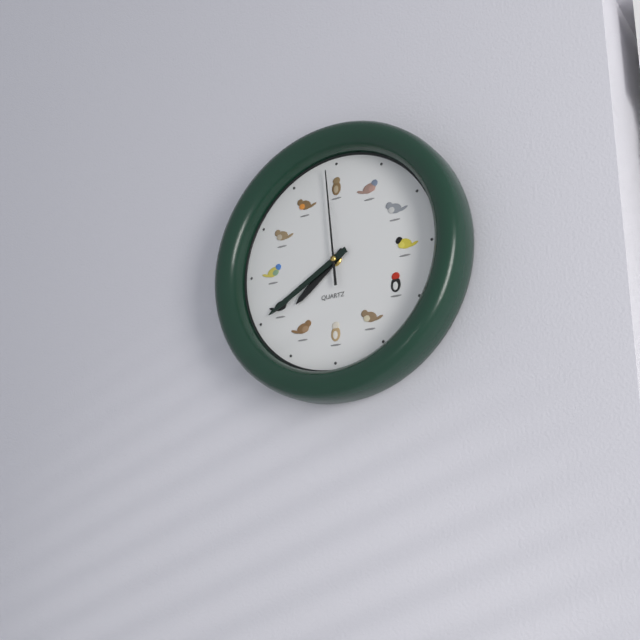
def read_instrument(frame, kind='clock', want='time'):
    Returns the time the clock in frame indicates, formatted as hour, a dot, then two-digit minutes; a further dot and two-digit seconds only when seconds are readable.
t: 7.40.59
